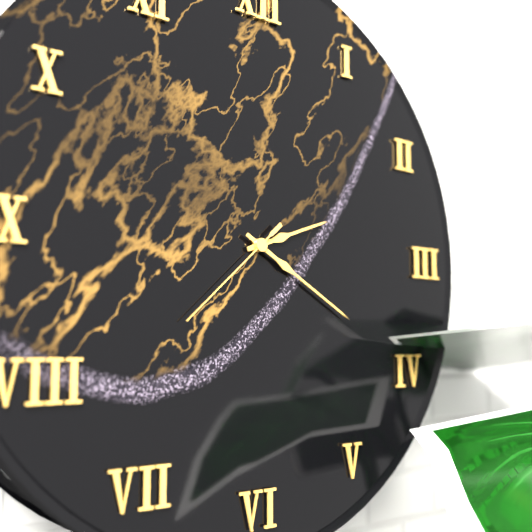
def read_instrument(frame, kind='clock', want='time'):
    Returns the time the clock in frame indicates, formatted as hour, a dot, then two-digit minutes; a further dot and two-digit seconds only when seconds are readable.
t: 2.20.38
